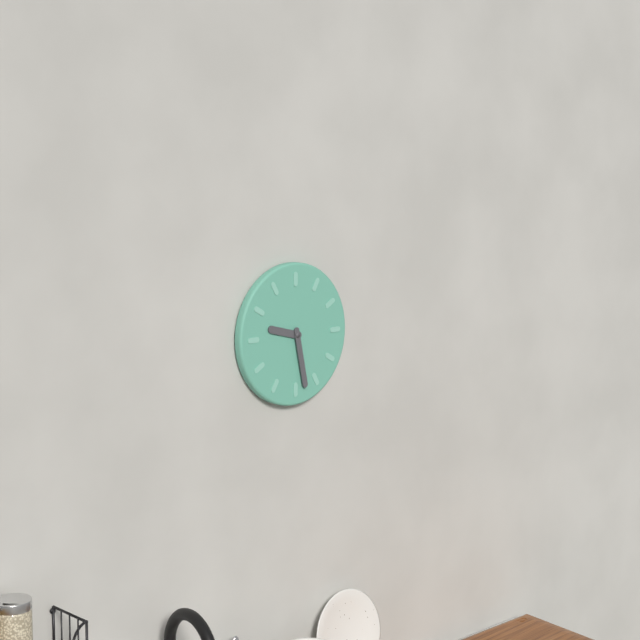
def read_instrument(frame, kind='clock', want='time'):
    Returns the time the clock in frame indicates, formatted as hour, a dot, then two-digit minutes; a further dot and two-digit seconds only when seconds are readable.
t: 9.28
